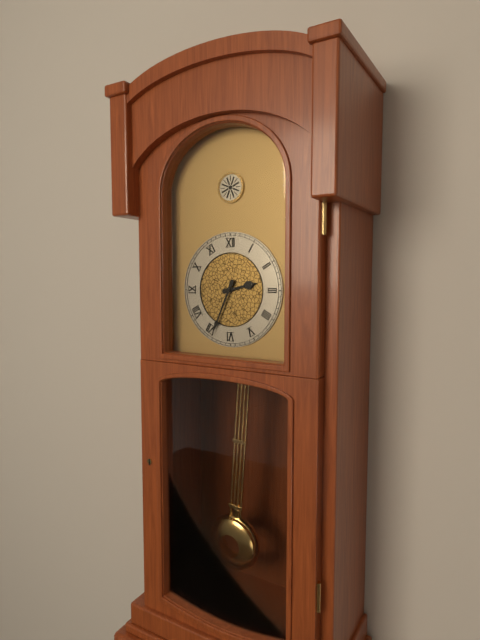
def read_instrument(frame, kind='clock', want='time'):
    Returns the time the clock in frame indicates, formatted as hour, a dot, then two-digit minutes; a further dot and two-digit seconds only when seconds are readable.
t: 2.34
